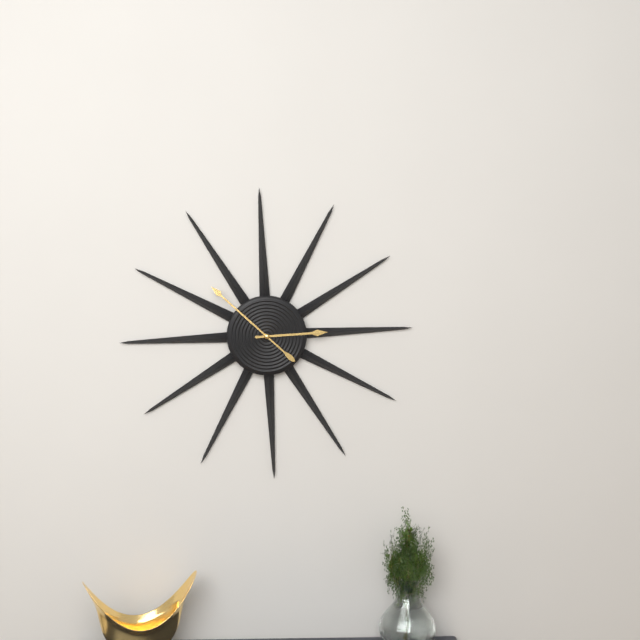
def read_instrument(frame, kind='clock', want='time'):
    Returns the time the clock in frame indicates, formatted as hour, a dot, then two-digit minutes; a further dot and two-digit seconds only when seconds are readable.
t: 2.52
